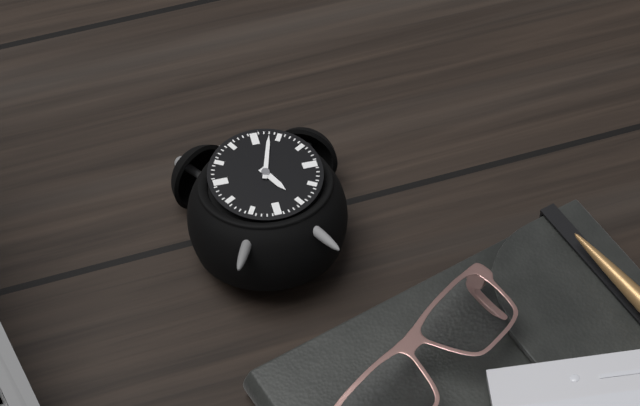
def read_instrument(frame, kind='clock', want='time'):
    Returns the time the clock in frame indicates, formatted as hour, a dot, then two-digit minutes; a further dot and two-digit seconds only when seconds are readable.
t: 5.03
